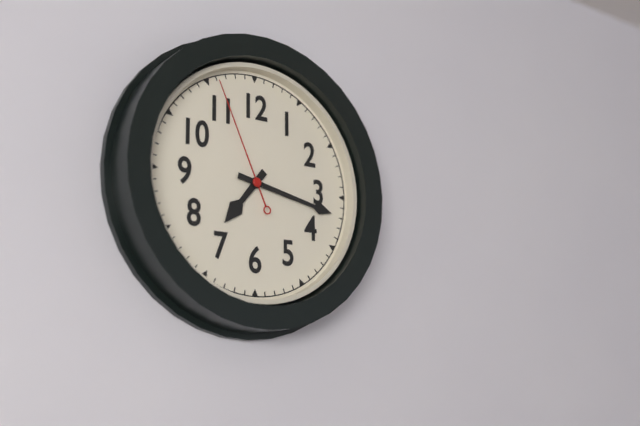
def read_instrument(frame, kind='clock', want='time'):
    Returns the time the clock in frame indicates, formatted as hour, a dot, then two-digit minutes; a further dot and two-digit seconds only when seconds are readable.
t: 7.17.56
